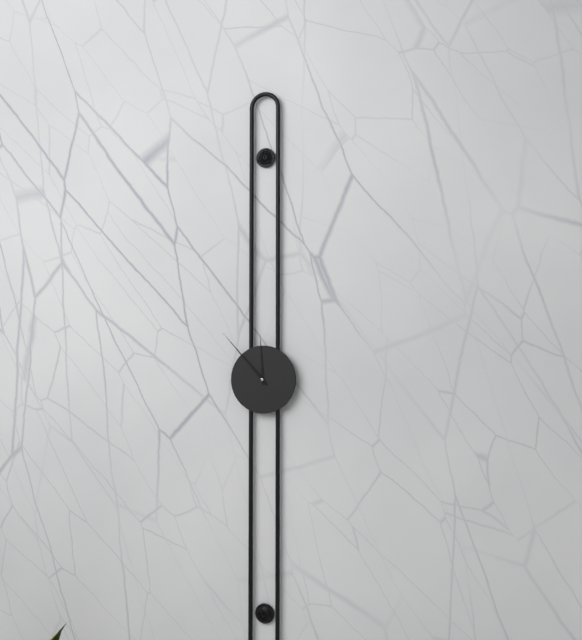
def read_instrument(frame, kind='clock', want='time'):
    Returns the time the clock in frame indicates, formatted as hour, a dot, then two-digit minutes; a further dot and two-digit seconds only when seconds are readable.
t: 11.53
